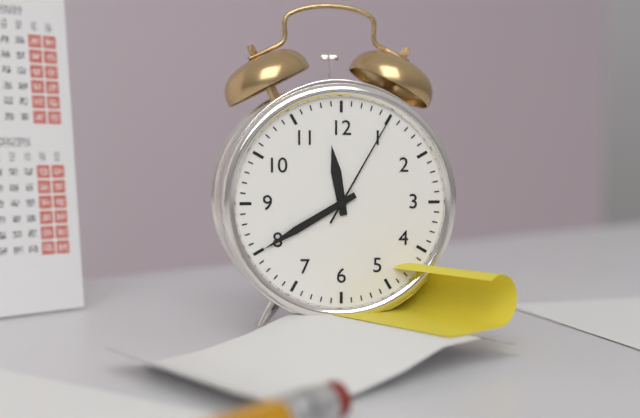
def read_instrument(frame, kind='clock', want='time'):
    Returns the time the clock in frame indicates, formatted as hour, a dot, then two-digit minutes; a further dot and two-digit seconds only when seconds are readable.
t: 11.40.05
